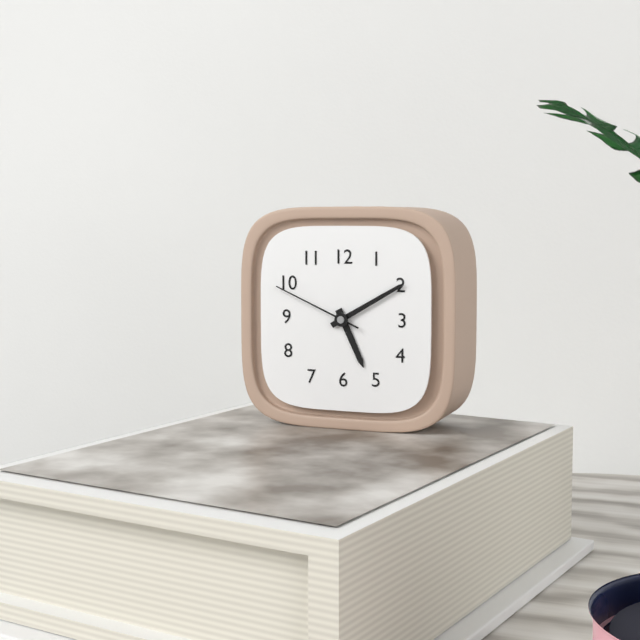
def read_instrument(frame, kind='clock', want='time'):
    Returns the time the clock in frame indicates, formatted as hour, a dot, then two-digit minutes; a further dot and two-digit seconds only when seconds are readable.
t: 5.10.49
